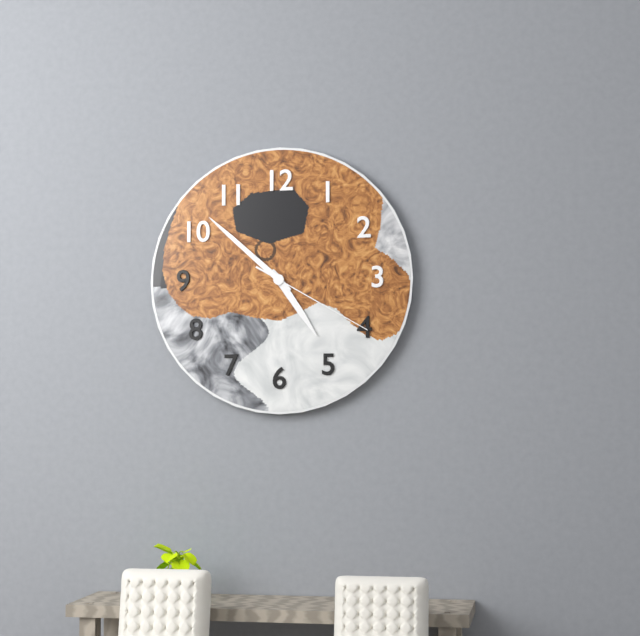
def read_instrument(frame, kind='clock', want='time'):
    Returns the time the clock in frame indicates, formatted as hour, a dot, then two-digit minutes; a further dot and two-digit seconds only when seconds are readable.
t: 4.52.20
